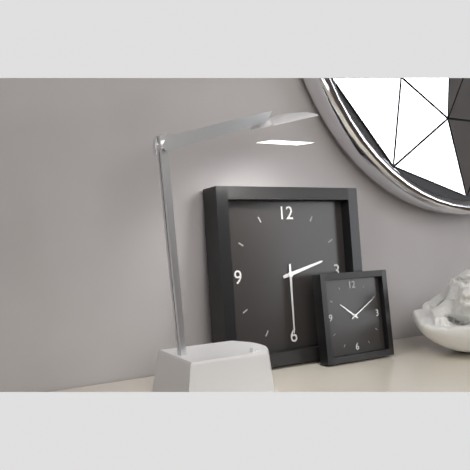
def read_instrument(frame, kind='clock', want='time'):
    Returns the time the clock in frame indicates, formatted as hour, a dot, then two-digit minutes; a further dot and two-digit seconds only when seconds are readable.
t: 2.30
